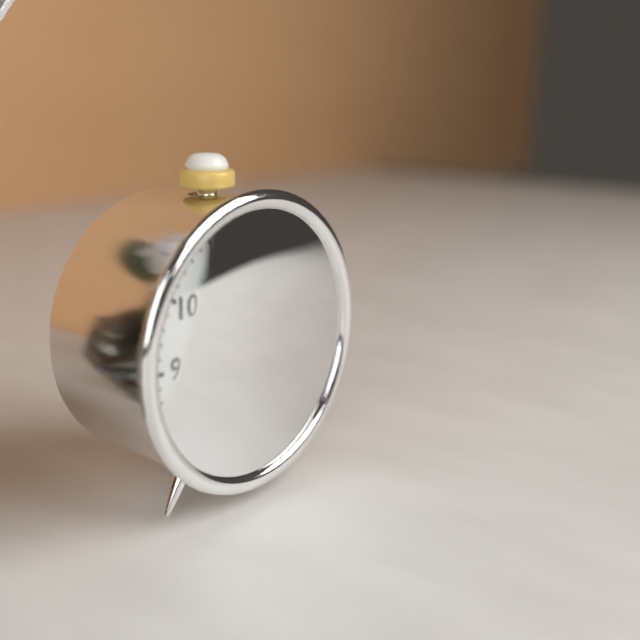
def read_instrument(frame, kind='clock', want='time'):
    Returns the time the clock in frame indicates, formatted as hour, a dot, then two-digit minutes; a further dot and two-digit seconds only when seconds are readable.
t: 4.00
